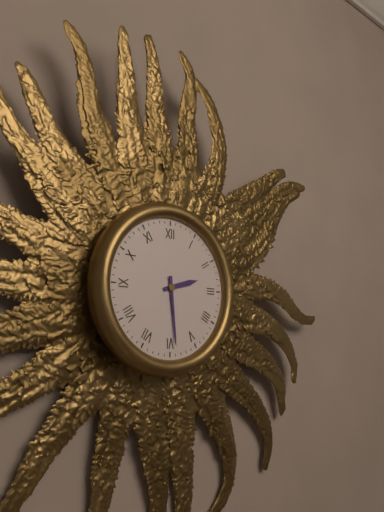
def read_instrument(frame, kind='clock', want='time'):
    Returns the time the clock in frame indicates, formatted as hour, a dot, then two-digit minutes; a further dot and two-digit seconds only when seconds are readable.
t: 2.29
